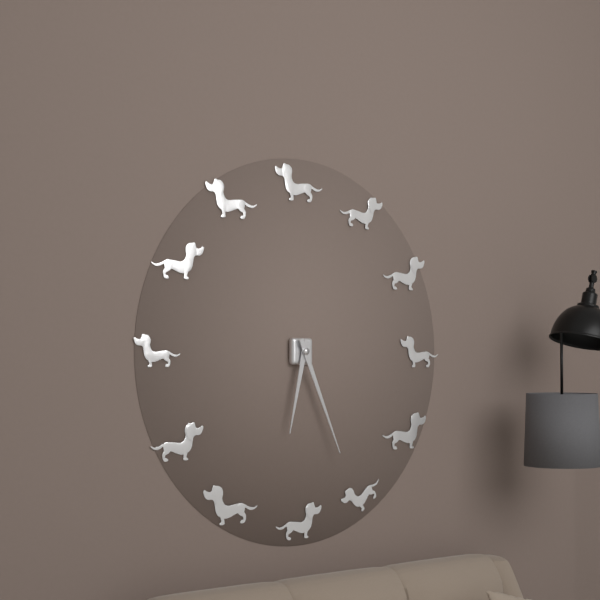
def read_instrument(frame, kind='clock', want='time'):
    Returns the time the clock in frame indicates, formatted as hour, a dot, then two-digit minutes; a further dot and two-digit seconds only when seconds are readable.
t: 6.26
